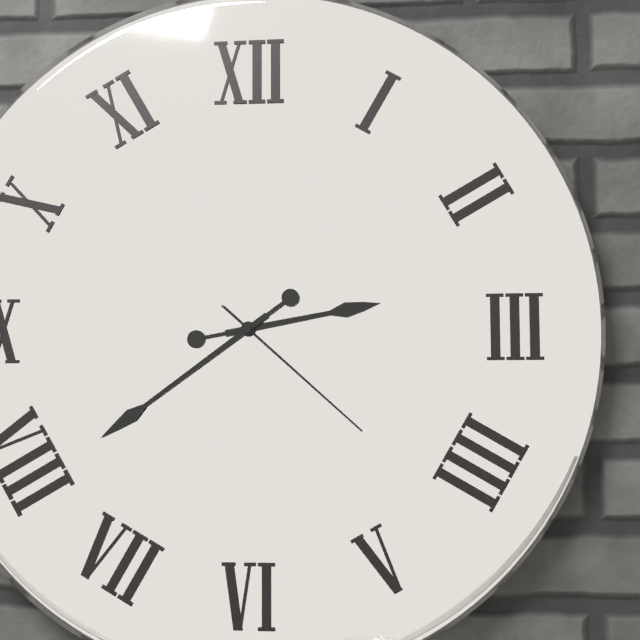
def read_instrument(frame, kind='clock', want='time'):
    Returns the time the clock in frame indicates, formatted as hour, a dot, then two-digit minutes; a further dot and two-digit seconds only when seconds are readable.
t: 2.39.22
